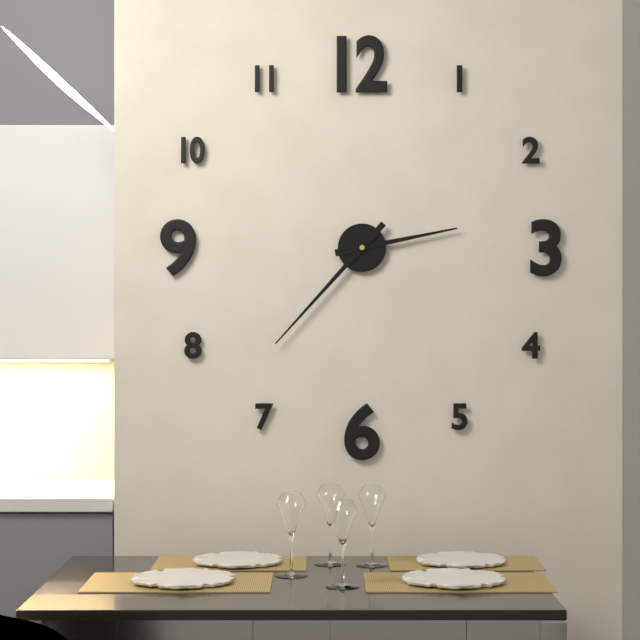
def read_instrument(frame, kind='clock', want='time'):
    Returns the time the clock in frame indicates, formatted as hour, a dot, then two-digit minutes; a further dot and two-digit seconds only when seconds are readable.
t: 2.37
